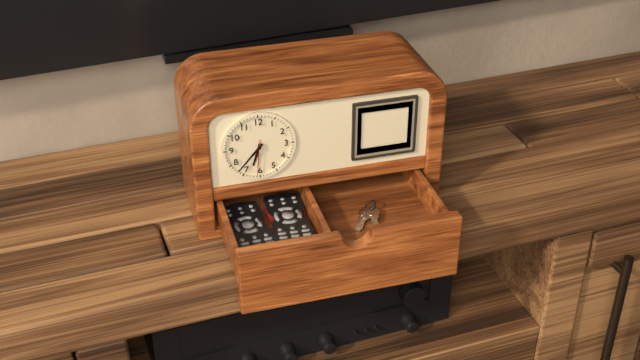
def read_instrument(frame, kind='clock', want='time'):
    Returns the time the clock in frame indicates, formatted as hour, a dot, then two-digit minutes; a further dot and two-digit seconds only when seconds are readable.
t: 6.37
